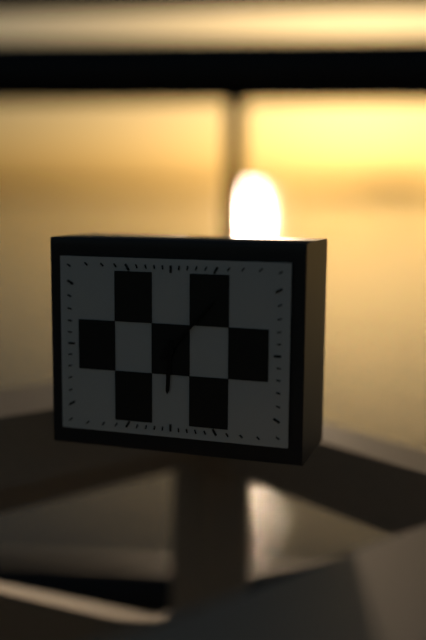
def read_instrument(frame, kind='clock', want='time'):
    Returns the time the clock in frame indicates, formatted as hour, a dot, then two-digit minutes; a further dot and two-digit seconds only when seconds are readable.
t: 6.07
